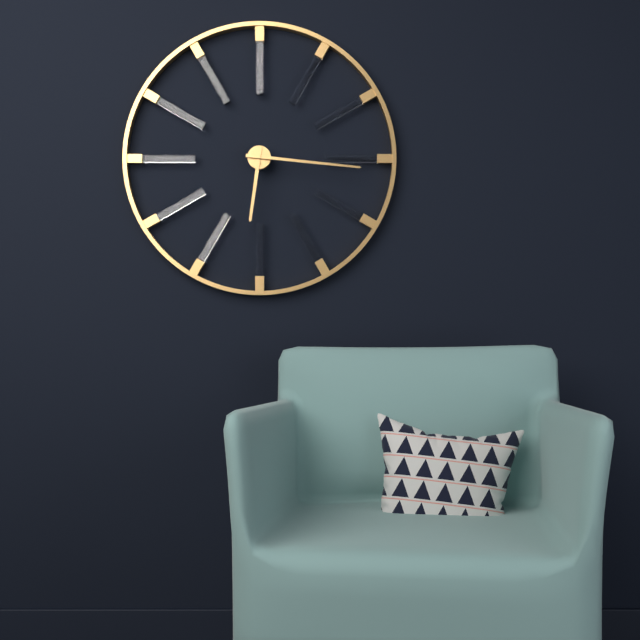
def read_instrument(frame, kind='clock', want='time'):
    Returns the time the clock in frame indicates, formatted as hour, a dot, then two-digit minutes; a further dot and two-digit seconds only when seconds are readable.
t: 6.16
